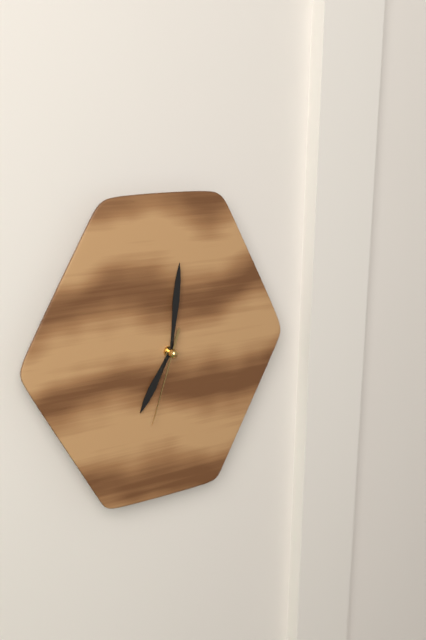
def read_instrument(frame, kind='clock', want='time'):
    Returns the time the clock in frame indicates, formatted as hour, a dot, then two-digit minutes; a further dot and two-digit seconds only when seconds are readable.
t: 7.01.33
